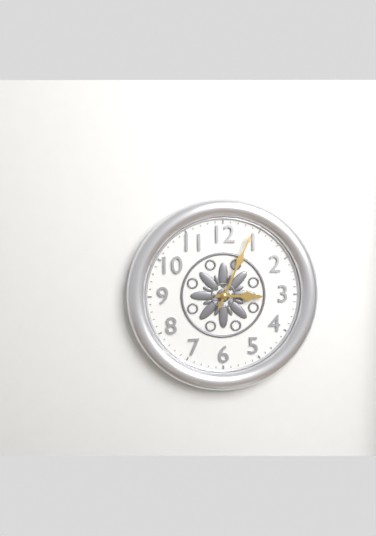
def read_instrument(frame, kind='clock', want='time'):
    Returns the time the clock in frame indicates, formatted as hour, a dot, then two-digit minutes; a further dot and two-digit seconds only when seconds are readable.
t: 3.04
